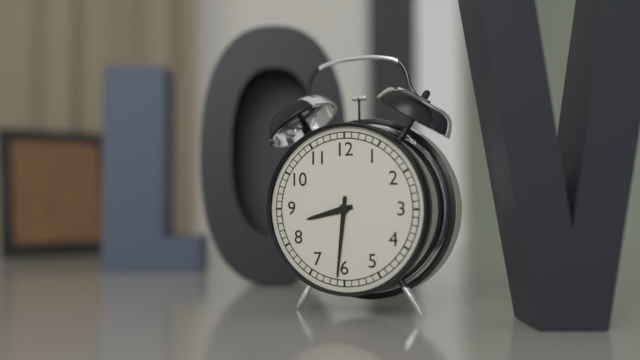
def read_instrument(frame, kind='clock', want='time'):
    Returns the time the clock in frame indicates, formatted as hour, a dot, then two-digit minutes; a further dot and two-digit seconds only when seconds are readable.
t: 8.31
